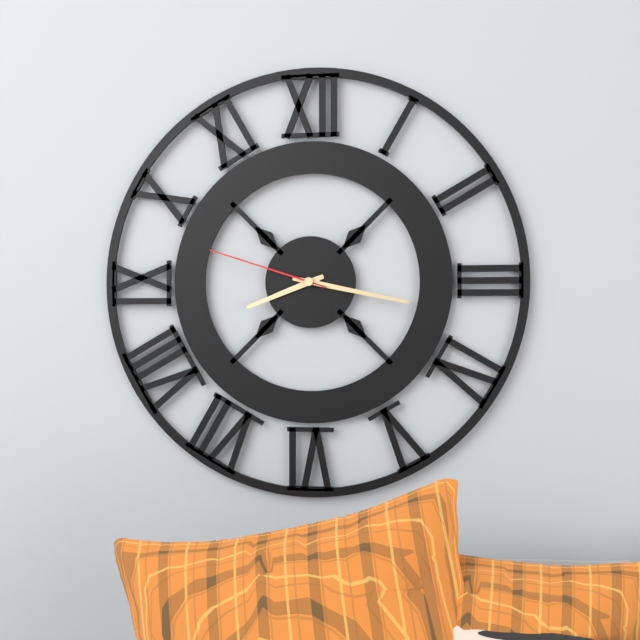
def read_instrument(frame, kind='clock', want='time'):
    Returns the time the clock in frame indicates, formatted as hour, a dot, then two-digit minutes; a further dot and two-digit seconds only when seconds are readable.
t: 8.17.48
